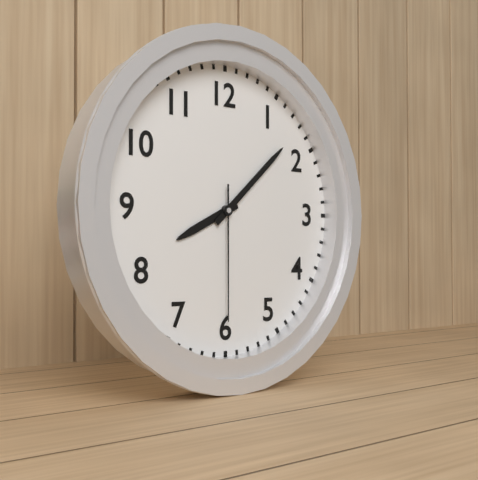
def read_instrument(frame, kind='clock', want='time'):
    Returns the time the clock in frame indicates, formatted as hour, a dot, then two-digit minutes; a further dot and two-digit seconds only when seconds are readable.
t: 8.08.30
